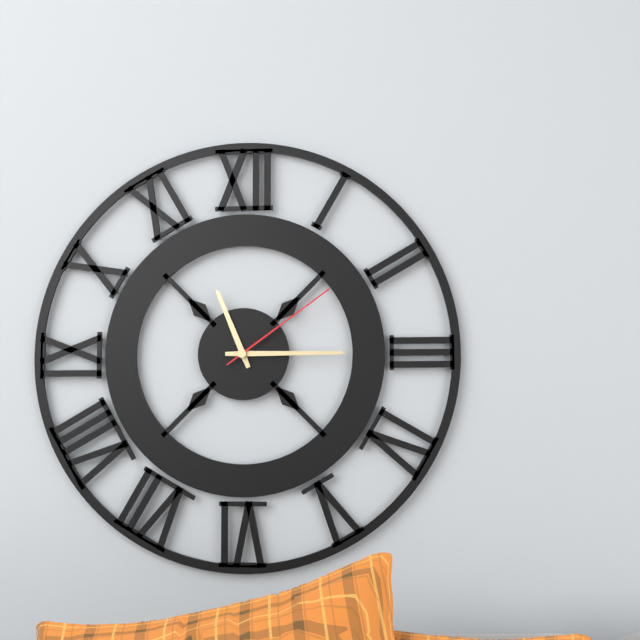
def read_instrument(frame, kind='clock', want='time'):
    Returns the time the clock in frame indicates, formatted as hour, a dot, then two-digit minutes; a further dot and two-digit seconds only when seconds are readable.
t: 11.15.09
